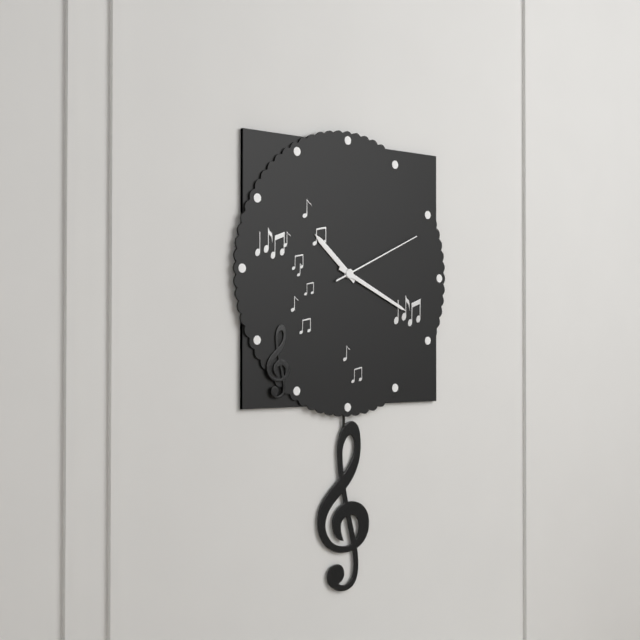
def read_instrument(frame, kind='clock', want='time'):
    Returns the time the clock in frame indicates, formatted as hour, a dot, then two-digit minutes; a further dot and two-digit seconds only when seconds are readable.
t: 10.19.11
